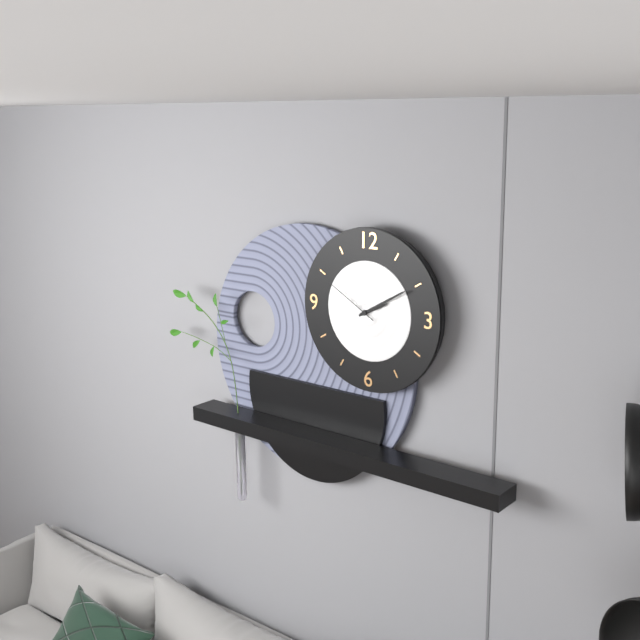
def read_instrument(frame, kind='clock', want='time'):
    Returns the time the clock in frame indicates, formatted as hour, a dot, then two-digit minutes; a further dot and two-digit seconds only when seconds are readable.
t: 2.10.50
